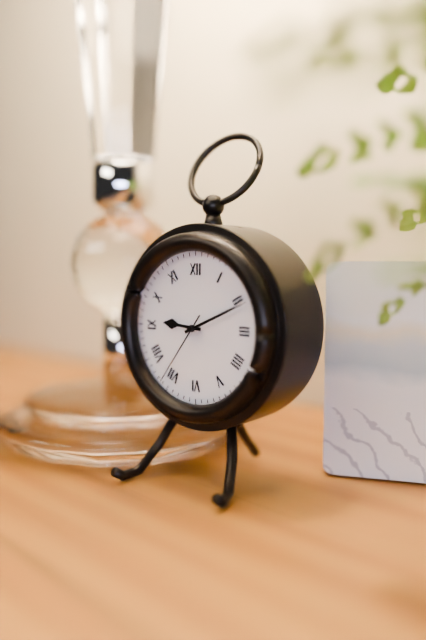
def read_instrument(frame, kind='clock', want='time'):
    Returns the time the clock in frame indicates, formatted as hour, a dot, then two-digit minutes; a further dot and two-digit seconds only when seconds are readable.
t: 9.11.36
